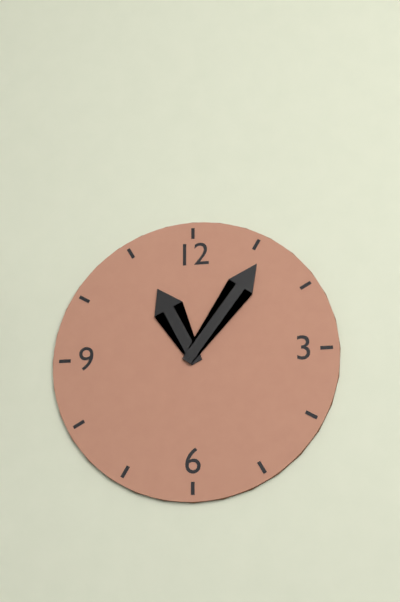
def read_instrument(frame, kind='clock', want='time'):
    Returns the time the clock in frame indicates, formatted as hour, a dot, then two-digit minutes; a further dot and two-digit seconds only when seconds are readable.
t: 11.06
